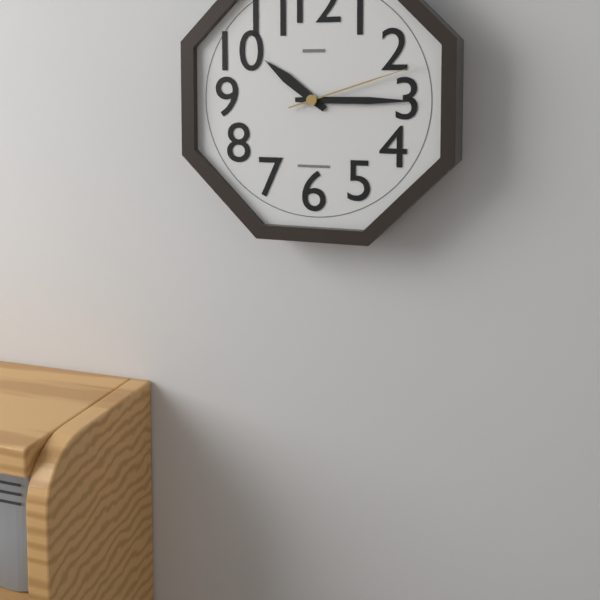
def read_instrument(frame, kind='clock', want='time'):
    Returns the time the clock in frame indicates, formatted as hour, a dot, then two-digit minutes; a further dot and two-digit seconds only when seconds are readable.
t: 10.15.12
